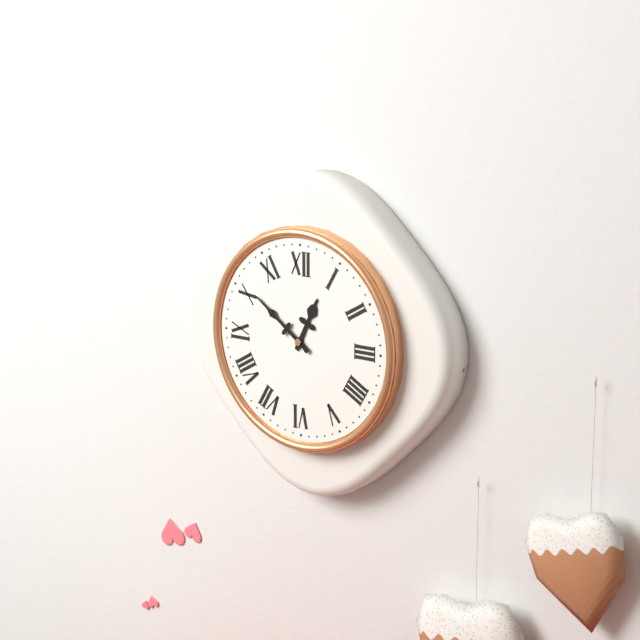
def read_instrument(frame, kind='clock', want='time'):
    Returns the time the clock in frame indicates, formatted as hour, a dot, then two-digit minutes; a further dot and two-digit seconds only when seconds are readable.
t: 12.51
